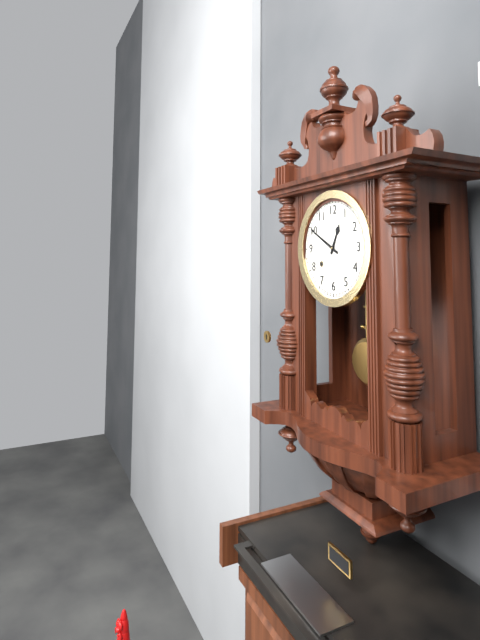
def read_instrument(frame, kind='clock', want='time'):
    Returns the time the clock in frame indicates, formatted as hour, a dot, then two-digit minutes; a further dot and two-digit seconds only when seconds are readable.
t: 12.50
